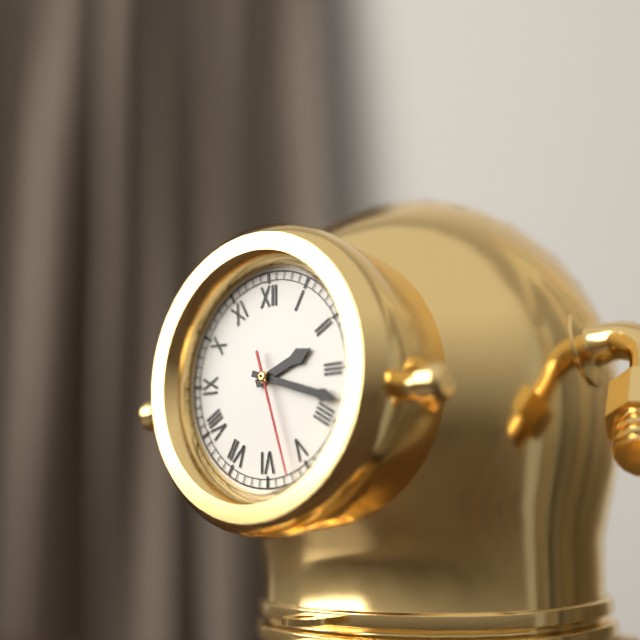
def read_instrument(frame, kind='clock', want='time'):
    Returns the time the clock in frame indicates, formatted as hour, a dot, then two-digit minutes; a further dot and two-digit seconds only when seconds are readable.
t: 2.18.27
